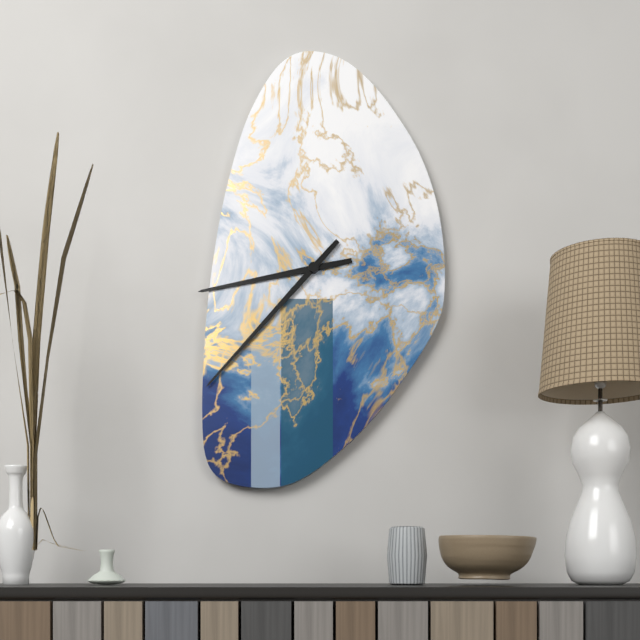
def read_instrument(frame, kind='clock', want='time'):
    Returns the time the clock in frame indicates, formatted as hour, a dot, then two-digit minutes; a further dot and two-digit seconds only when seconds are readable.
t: 8.37
